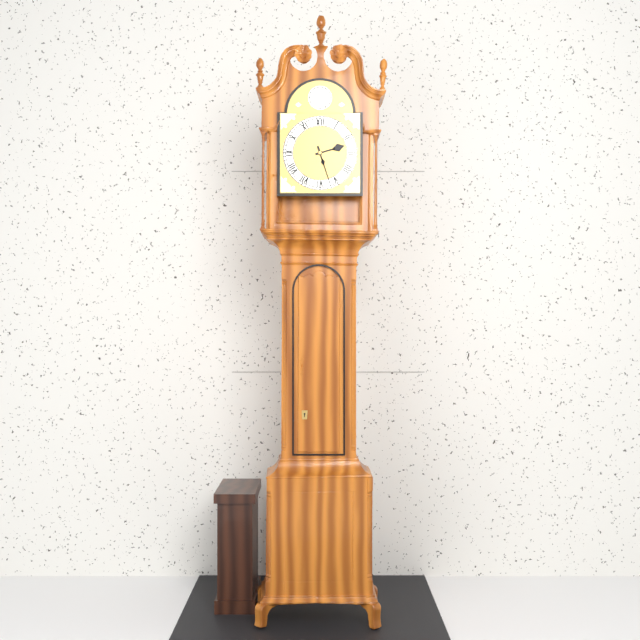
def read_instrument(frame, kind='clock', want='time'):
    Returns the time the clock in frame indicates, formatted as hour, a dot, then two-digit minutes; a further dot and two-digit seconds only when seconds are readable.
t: 2.27
